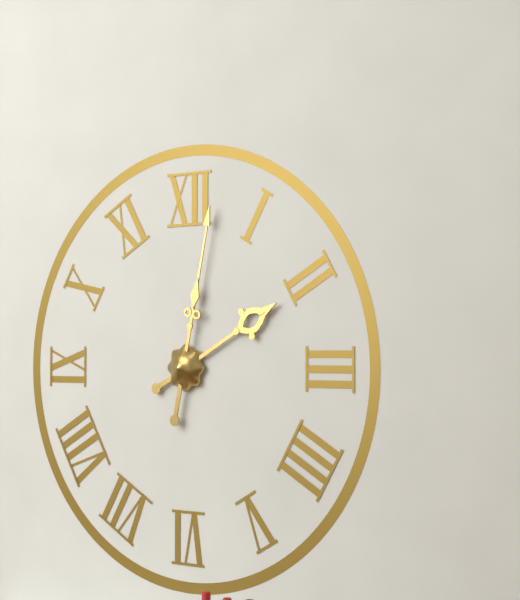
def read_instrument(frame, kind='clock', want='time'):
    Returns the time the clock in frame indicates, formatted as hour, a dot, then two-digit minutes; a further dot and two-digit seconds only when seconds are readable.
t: 2.02
